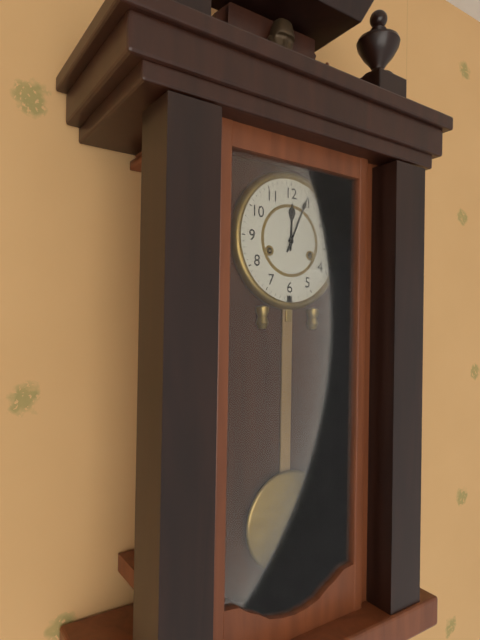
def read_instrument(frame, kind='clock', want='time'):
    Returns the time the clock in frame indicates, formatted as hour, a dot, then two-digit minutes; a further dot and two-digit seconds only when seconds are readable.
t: 12.04
